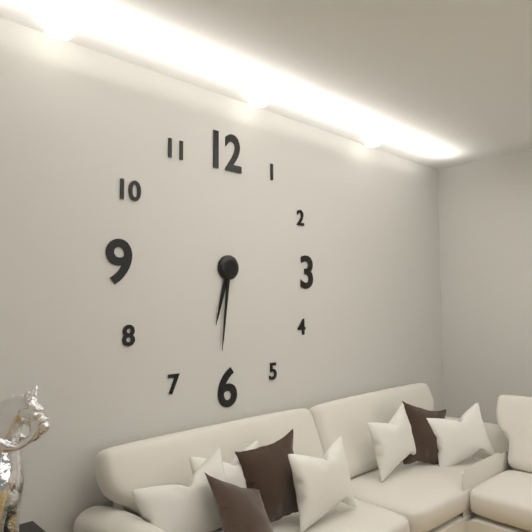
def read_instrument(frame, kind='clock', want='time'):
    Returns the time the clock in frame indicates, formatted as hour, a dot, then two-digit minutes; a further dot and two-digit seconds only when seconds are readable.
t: 6.31
